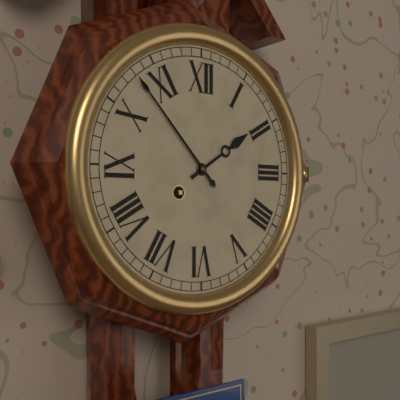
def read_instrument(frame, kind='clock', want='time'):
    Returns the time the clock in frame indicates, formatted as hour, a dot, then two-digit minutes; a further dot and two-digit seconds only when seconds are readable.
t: 1.53
